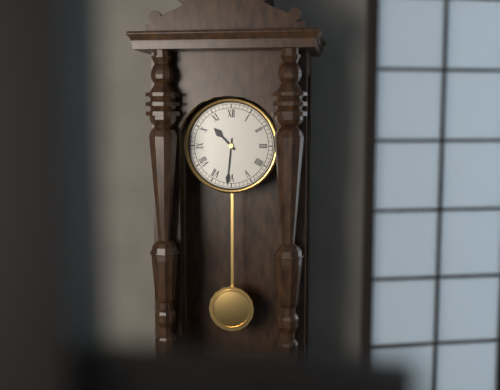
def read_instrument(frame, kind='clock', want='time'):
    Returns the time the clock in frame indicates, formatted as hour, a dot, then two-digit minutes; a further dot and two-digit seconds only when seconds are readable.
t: 10.31
